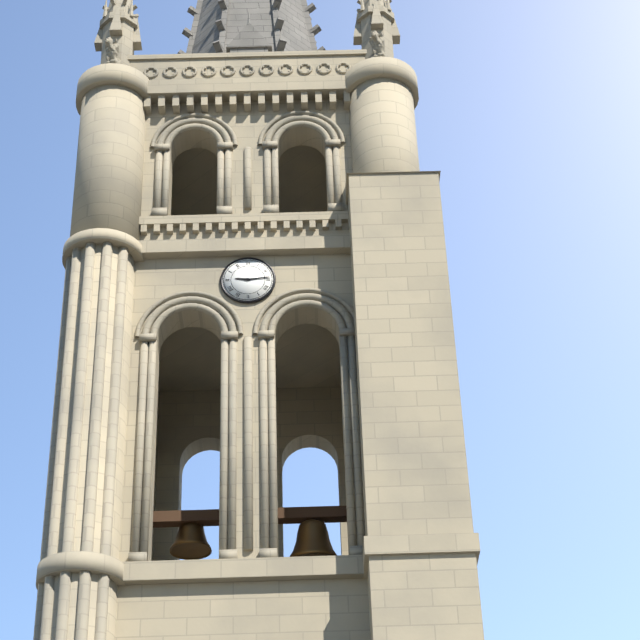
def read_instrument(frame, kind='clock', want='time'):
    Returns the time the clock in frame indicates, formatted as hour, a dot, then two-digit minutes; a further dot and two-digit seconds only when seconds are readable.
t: 9.14
